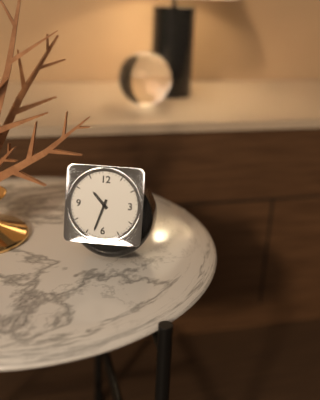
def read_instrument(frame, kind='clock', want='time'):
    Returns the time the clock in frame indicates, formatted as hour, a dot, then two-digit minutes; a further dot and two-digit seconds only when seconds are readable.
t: 10.33
